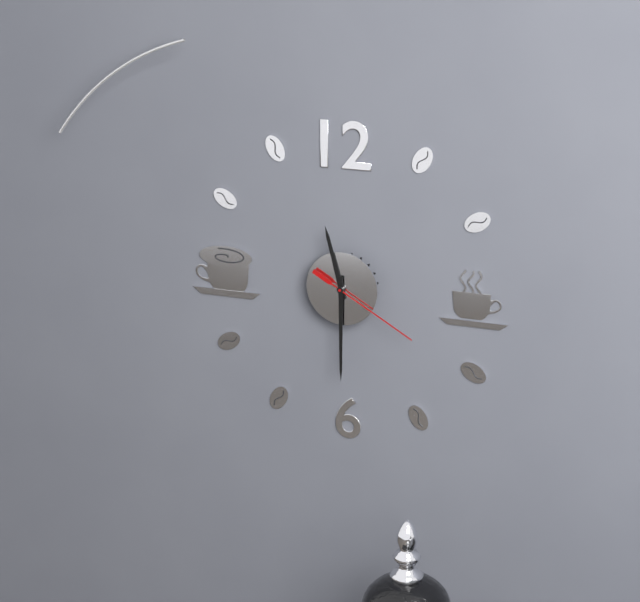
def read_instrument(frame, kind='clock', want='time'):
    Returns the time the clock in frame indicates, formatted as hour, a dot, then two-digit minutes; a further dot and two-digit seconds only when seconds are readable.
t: 11.30.20
